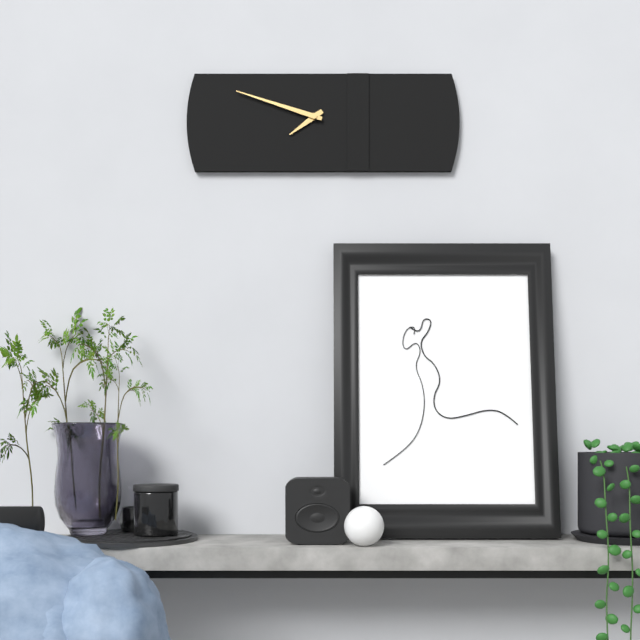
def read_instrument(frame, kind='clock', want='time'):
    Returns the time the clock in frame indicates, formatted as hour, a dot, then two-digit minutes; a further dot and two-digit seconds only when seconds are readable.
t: 7.48
